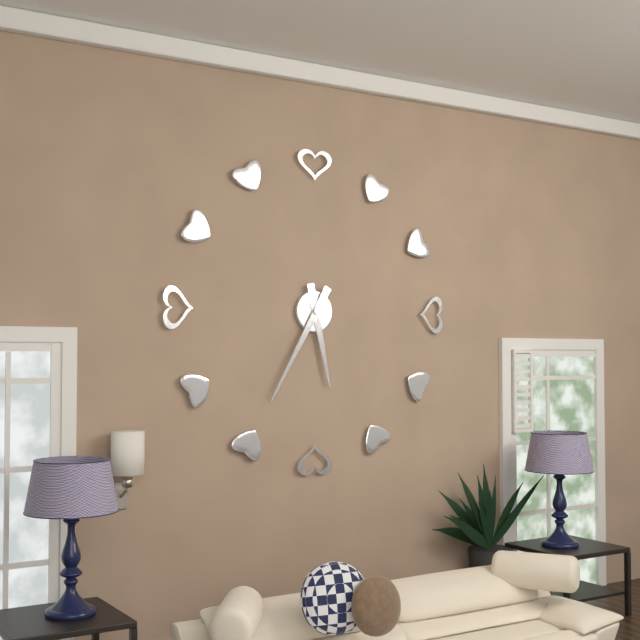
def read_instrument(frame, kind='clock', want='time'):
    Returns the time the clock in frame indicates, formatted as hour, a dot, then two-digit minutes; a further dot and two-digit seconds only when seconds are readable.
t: 5.35
